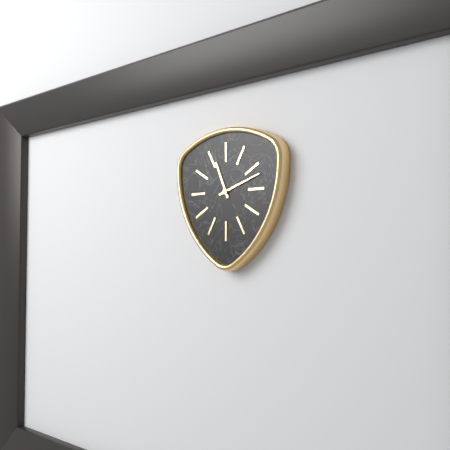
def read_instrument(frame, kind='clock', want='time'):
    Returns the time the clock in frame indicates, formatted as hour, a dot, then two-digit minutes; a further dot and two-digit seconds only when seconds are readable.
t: 11.12
